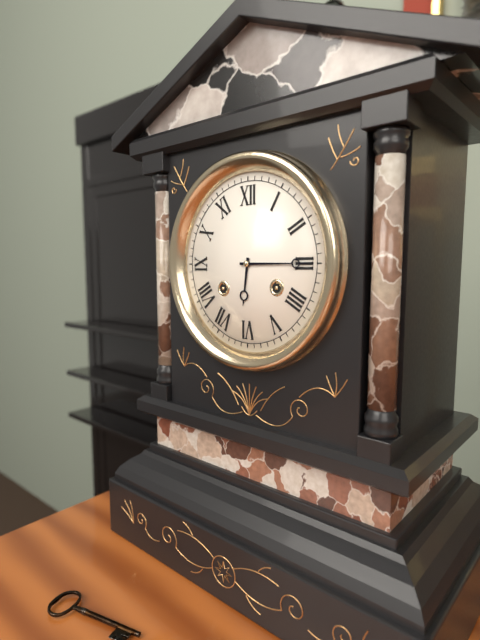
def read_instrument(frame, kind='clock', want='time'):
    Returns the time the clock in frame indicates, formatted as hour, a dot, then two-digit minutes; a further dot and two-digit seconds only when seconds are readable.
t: 6.15
